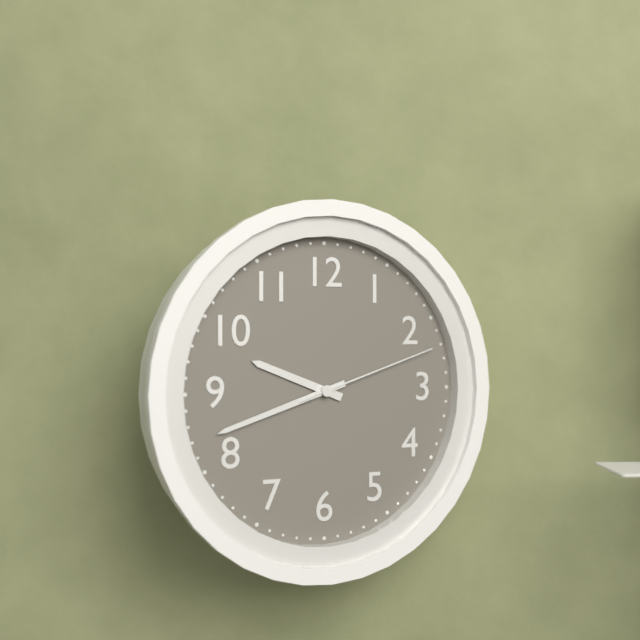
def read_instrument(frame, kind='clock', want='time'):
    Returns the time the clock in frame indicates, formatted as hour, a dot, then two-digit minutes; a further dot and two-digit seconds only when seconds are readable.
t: 9.42.12
